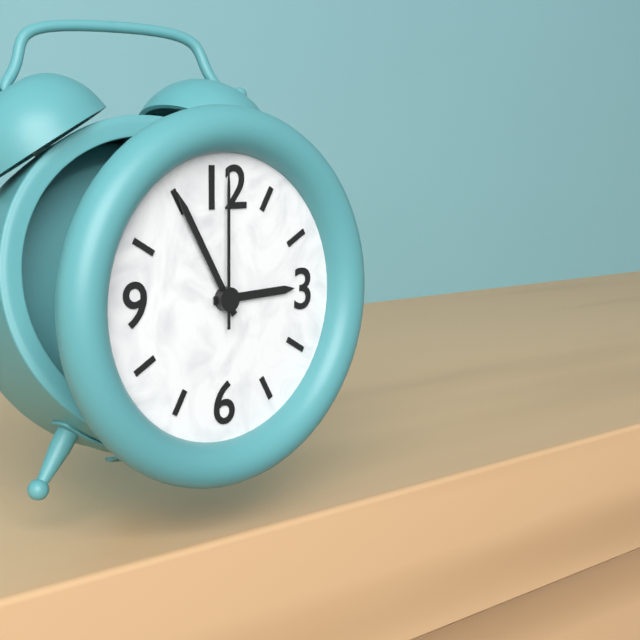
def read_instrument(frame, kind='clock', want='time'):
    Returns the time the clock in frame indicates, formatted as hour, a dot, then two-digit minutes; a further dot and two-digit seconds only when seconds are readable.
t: 2.55.00
